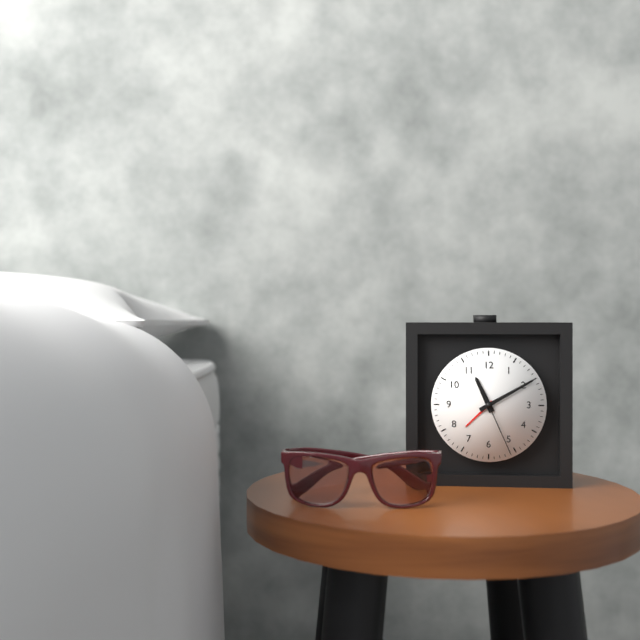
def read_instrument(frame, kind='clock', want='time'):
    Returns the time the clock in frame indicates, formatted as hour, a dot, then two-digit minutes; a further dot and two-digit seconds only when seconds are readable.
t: 11.10.26
